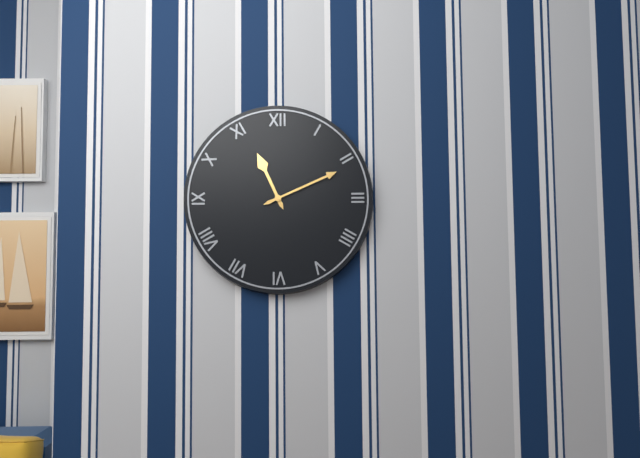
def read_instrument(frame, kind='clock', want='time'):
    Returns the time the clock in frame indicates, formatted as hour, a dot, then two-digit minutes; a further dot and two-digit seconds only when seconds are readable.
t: 11.11
